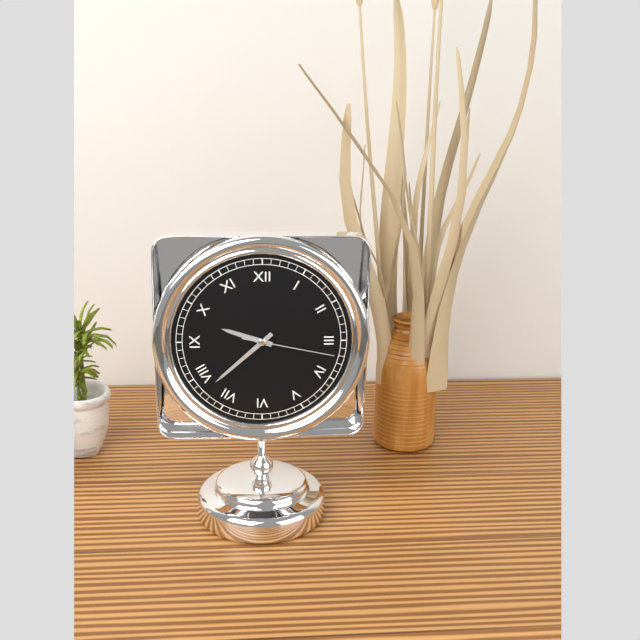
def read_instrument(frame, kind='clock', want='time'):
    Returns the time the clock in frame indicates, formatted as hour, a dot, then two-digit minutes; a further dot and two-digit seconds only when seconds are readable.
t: 9.38.17
